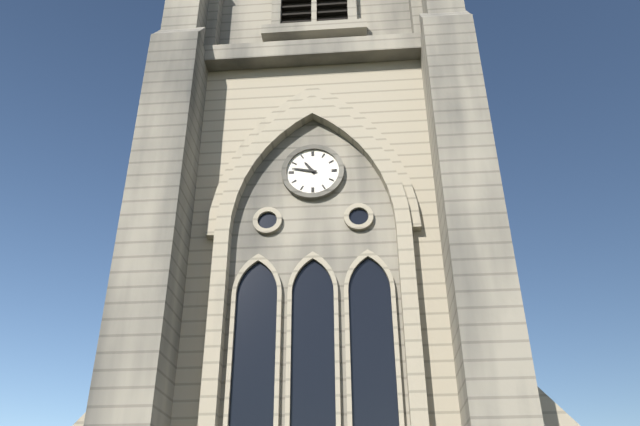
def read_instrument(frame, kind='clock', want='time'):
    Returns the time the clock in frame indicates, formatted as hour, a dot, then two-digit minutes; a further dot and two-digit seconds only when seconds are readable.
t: 10.47
